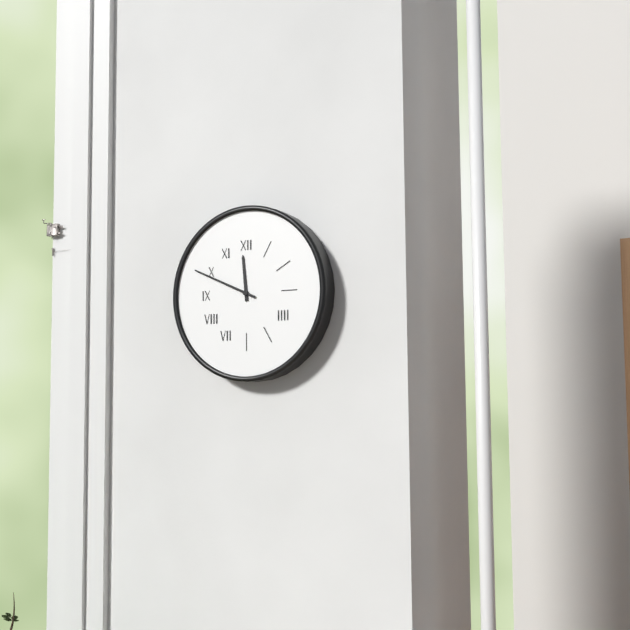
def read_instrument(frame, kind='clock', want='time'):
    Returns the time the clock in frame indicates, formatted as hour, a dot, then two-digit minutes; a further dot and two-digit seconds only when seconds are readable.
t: 11.49
